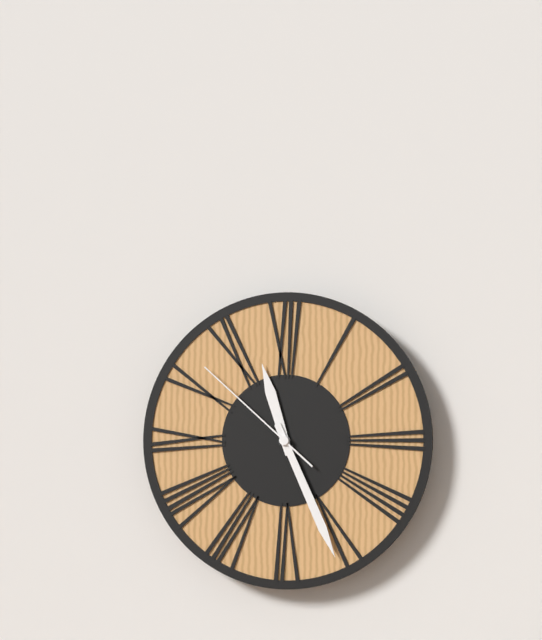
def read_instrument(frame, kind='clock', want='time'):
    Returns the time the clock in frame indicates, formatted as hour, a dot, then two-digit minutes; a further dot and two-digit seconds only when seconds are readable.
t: 11.26.52
